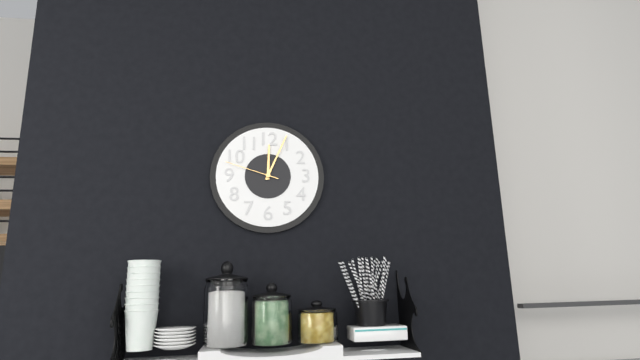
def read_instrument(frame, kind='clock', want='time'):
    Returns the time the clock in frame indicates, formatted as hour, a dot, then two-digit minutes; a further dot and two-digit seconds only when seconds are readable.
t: 12.04.48
